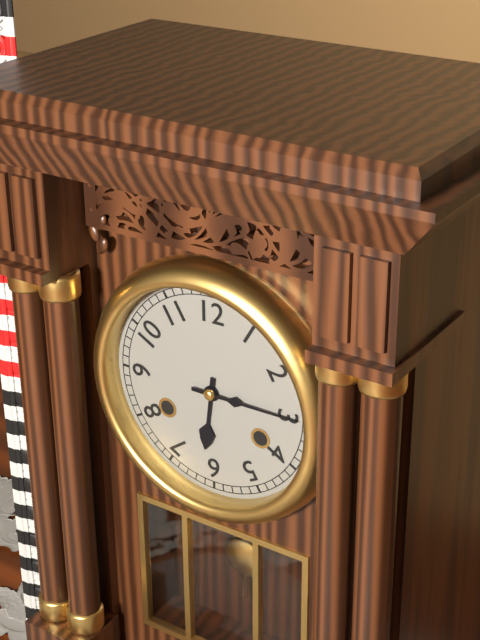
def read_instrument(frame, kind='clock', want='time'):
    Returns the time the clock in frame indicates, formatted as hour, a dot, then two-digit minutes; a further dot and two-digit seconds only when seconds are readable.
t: 6.15
